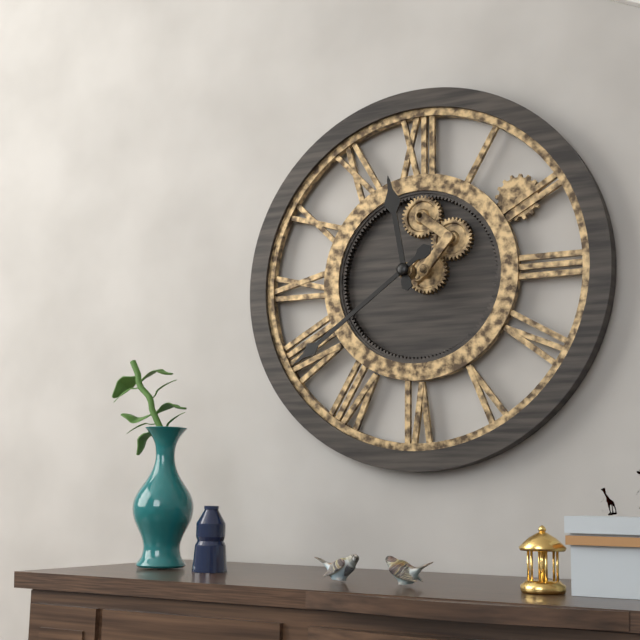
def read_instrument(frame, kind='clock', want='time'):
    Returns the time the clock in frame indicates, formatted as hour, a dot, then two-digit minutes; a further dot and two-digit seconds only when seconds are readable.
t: 11.39
